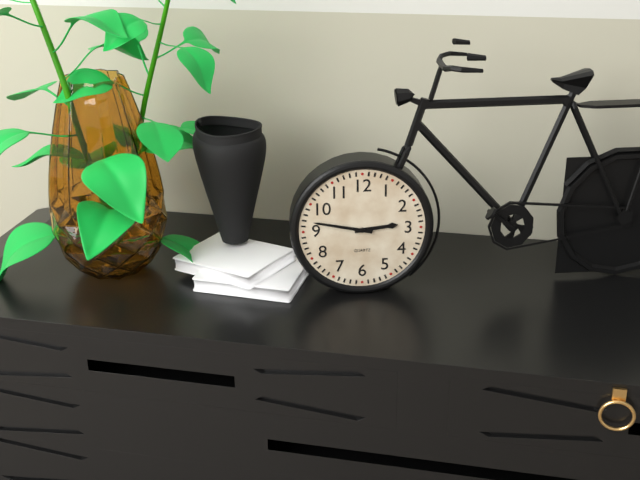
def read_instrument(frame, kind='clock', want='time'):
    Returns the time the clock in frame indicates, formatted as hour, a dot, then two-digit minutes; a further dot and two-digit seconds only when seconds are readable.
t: 2.47
